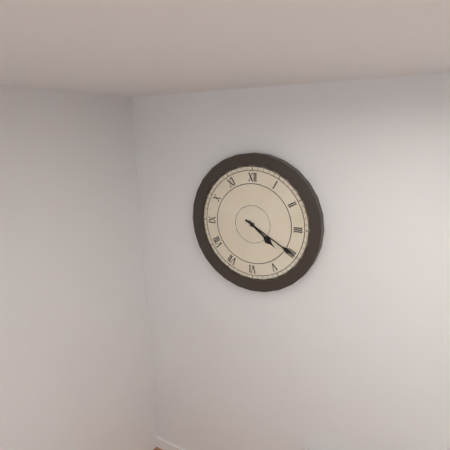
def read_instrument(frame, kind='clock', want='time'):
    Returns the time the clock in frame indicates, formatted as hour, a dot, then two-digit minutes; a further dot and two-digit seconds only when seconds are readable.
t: 4.20
